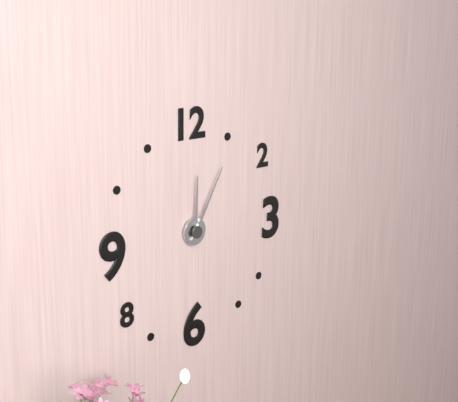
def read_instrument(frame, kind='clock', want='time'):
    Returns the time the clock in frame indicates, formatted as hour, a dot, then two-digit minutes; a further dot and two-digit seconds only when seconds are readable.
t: 12.05
